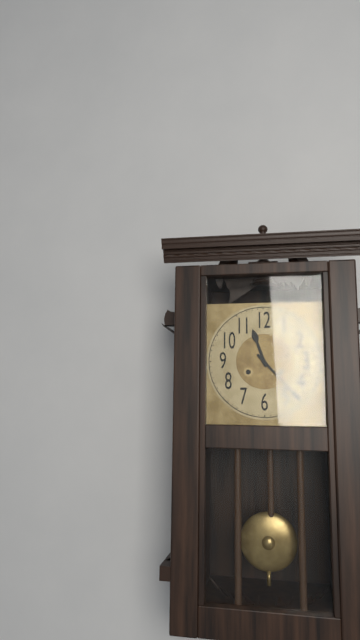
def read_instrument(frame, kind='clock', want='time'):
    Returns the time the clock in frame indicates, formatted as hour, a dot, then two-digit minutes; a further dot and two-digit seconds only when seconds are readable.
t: 11.23
